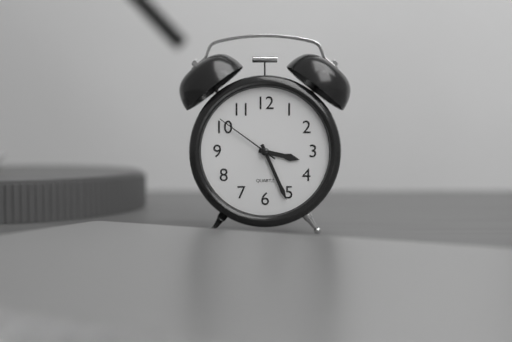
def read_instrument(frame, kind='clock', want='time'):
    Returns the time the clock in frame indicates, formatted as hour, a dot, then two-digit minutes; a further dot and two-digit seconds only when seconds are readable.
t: 3.26.51
